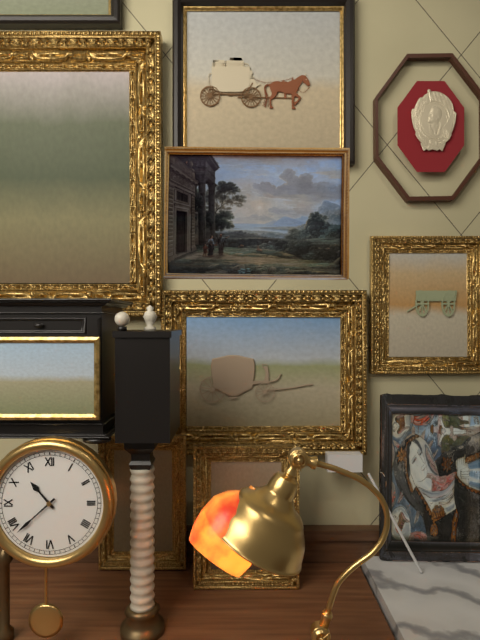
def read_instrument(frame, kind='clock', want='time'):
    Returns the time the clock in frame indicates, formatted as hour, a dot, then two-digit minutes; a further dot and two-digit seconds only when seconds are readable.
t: 10.38
